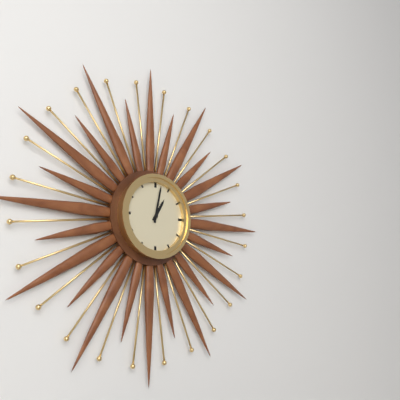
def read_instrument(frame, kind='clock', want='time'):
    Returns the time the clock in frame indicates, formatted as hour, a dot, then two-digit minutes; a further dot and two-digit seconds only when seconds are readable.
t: 1.02
